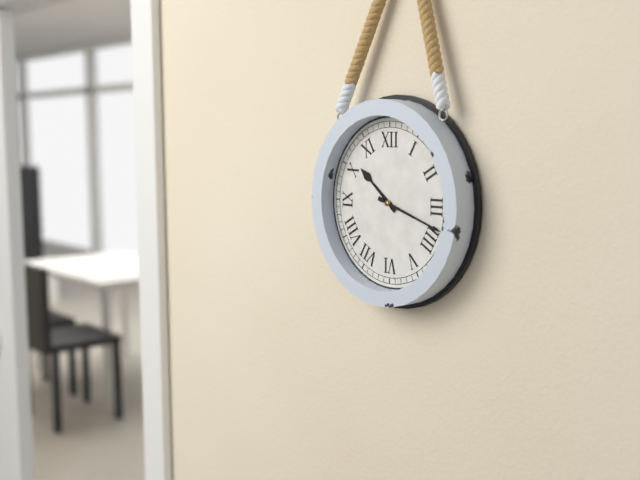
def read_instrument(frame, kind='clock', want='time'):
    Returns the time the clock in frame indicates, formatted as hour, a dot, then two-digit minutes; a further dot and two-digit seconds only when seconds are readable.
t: 10.18
